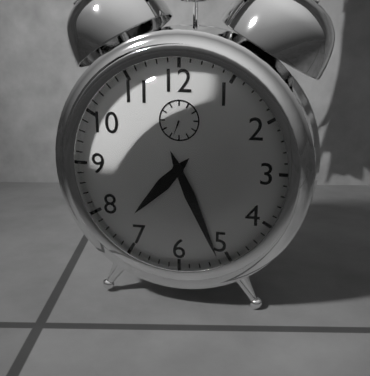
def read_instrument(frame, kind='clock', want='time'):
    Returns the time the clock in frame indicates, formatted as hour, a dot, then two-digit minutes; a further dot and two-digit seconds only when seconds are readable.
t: 7.26
